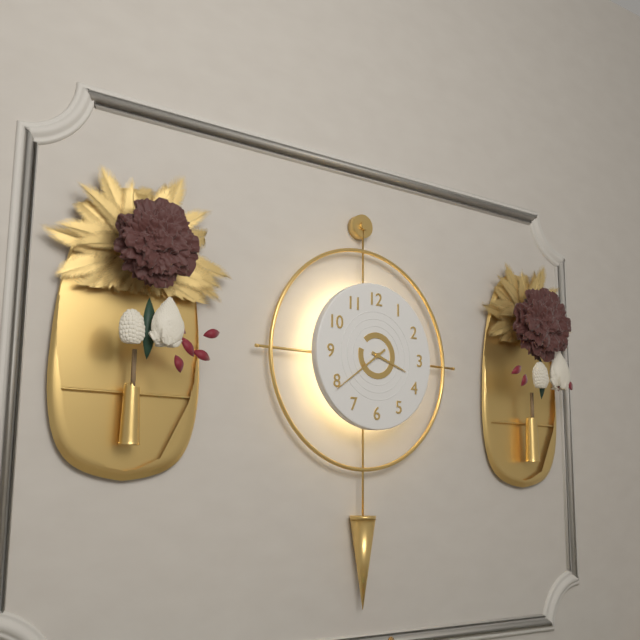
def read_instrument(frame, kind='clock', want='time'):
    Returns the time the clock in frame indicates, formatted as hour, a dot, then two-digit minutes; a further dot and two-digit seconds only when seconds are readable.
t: 3.39
